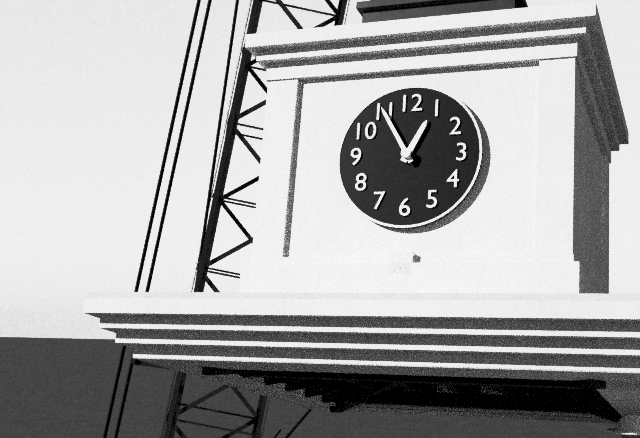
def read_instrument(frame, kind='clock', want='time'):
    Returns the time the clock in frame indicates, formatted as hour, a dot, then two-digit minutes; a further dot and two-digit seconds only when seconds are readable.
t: 12.55
